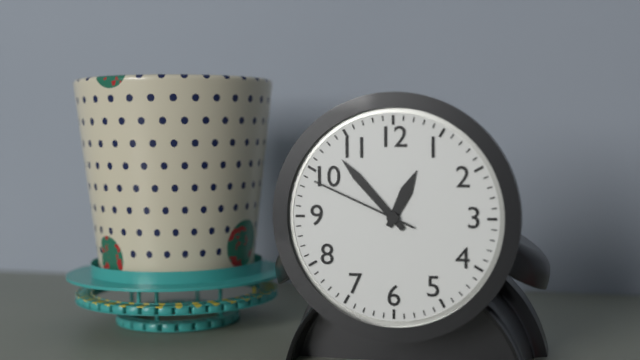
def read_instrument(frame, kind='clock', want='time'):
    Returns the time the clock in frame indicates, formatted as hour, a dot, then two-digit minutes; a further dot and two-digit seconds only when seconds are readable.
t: 12.53.49
